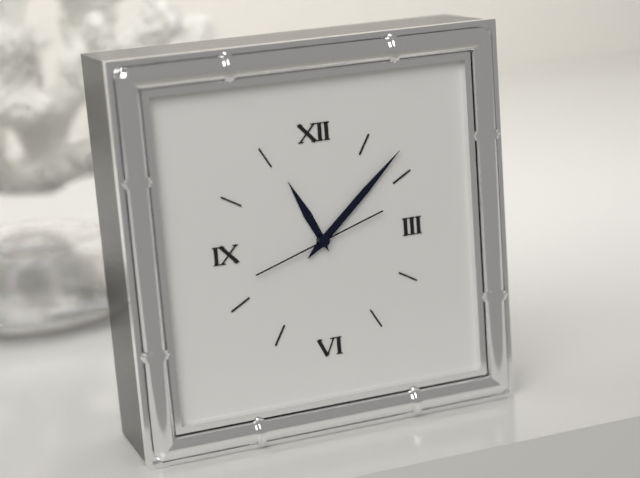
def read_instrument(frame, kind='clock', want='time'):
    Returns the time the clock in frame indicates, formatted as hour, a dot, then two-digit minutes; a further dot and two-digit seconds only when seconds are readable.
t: 11.08.42
